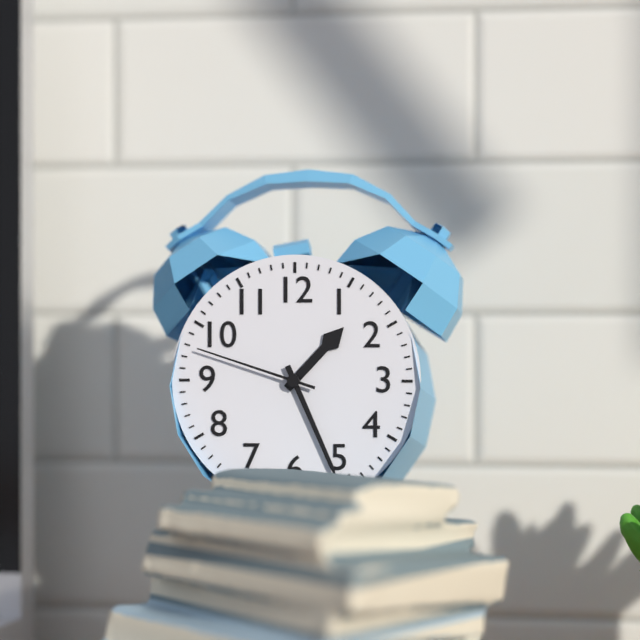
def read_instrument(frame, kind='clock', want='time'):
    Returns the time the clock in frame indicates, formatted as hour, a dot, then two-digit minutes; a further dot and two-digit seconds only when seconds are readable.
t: 1.26.48
